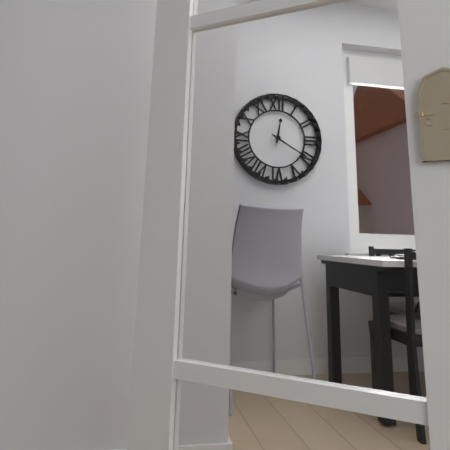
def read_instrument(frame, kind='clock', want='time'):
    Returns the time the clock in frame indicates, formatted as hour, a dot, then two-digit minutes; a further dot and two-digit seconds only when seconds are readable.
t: 12.20
